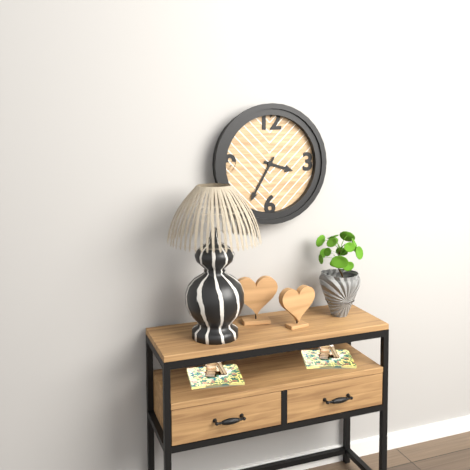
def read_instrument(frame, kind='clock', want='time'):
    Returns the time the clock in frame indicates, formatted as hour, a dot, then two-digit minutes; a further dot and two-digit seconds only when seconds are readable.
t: 3.35
